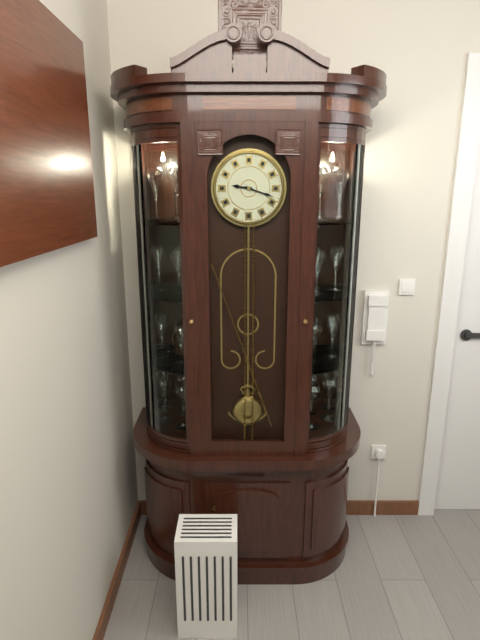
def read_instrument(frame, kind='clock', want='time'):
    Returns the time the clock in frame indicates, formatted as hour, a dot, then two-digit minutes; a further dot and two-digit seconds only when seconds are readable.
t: 9.18
